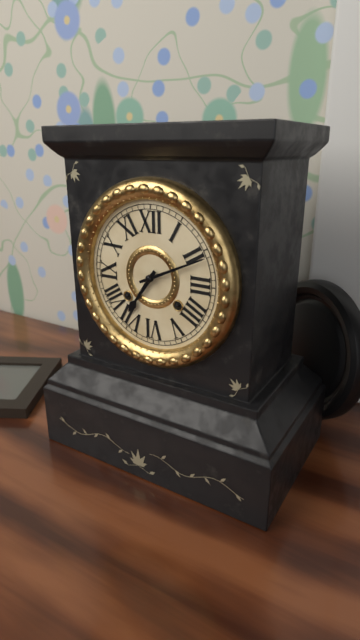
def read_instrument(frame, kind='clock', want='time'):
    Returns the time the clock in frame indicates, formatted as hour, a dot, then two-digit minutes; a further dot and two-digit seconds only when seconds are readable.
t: 7.11
